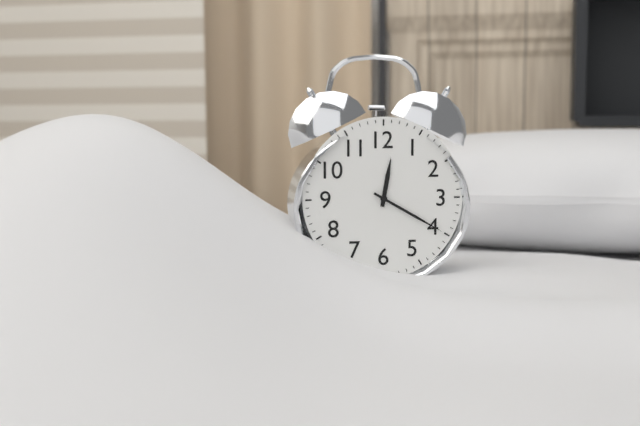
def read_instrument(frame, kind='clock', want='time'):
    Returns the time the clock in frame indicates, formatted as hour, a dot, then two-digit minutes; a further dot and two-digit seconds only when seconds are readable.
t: 12.20
